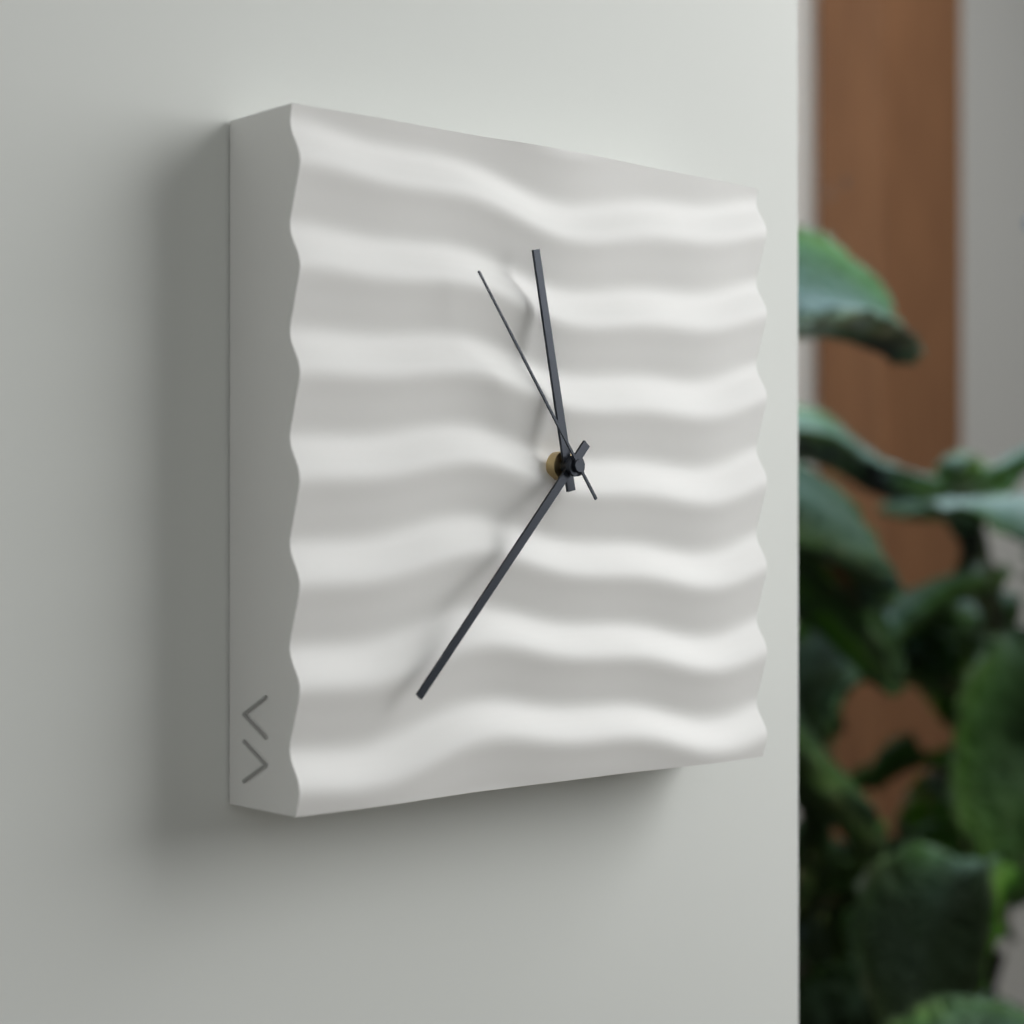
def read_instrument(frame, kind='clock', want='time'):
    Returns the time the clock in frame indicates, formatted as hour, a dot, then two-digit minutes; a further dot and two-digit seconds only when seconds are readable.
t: 11.37.54
